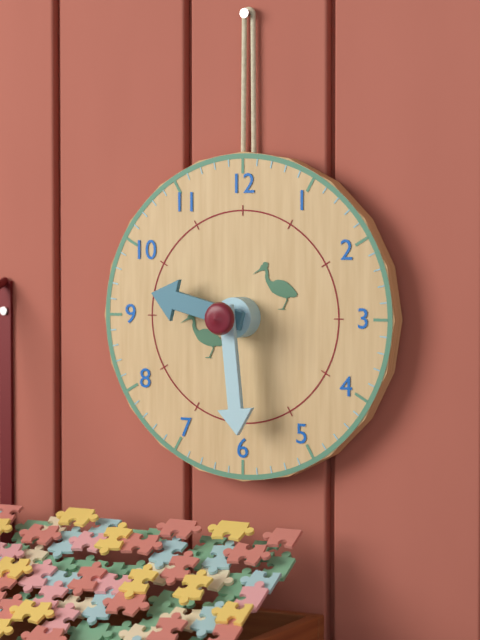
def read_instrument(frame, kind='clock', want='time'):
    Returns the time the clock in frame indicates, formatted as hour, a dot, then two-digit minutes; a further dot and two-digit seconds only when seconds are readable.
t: 9.29
